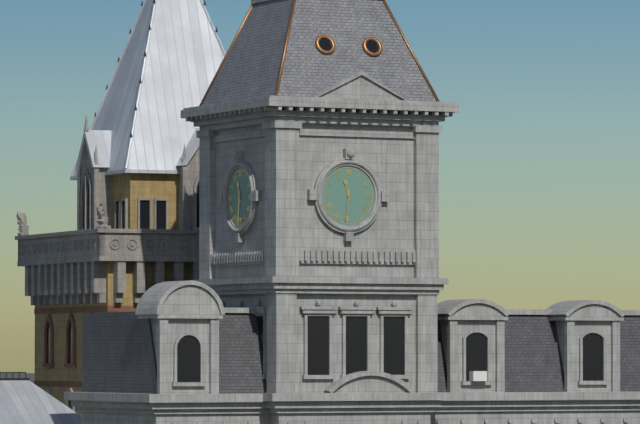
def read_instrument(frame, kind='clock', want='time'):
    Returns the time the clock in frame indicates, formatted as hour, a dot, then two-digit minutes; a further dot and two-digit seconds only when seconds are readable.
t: 11.31
